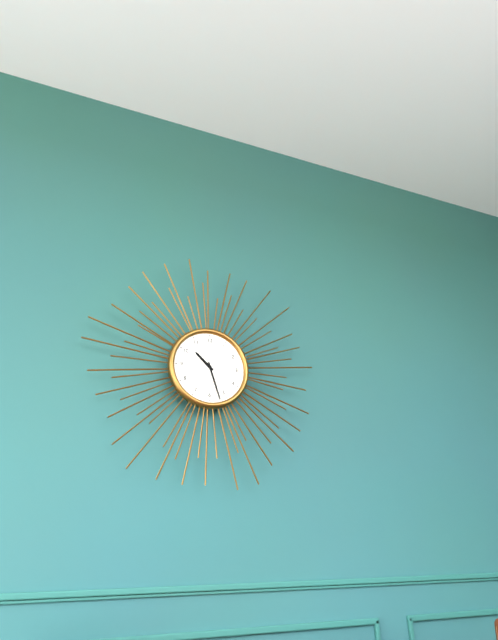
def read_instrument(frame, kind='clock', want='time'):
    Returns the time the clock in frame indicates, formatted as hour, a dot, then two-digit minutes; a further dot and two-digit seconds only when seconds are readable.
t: 10.27
